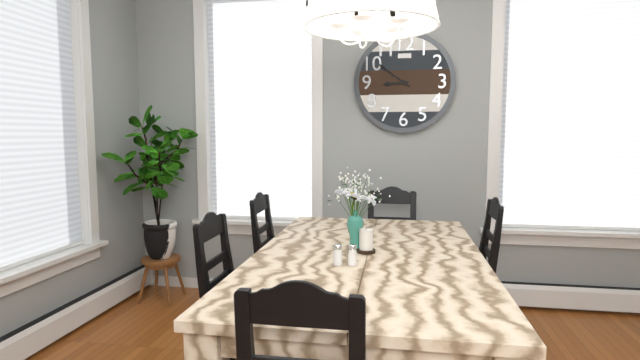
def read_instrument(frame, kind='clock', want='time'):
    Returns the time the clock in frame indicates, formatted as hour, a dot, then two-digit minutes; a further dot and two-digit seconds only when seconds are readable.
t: 8.51
